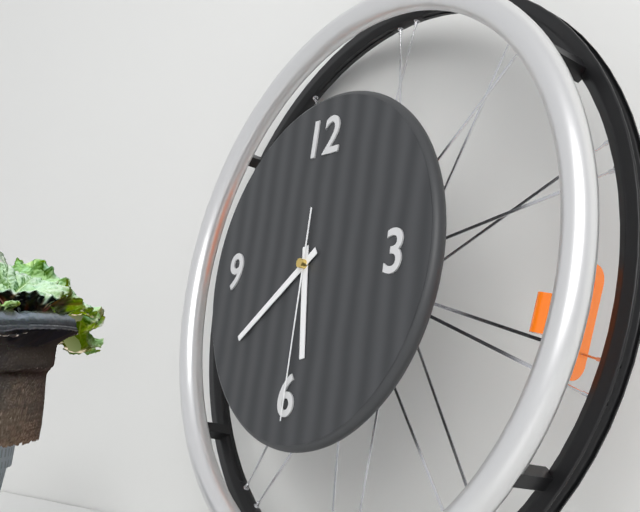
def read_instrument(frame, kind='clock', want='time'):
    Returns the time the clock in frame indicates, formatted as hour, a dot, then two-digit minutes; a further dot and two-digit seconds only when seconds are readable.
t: 5.39.30
